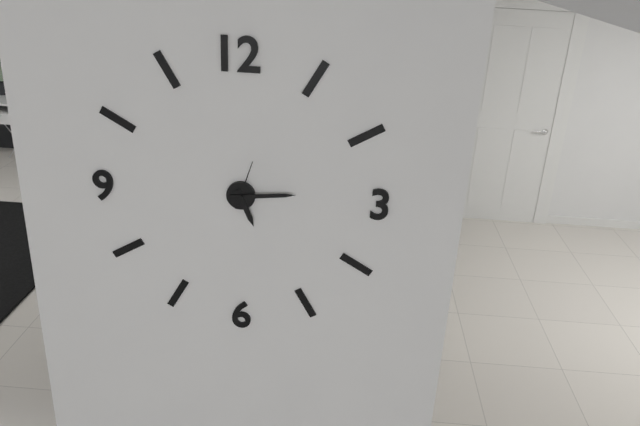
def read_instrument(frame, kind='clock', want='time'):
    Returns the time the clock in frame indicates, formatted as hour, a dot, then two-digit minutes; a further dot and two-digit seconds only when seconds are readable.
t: 5.14
